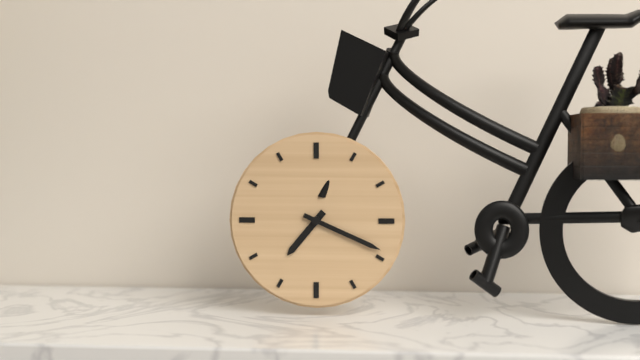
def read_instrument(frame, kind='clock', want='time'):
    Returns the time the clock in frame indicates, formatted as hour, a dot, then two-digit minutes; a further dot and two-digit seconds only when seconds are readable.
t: 7.19
